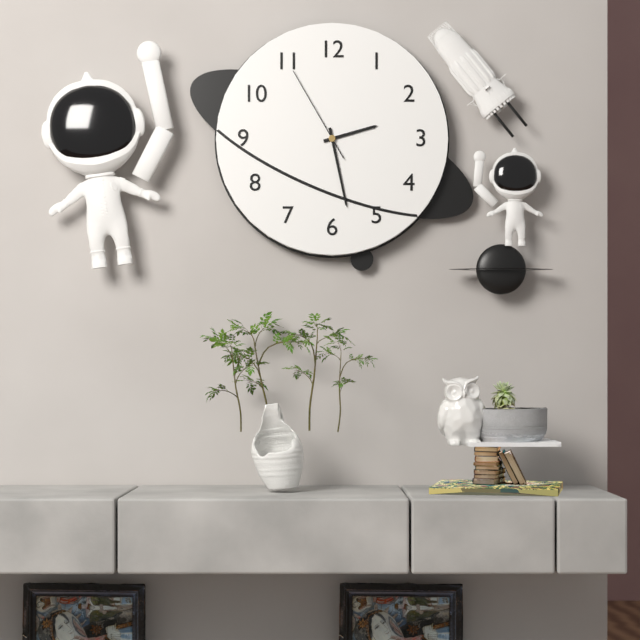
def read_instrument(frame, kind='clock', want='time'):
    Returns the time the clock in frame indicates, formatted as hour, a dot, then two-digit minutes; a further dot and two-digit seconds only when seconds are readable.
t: 2.28.55
